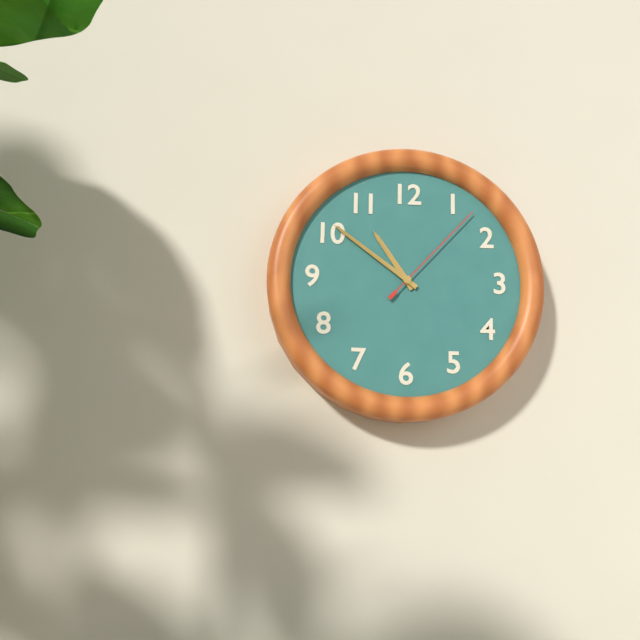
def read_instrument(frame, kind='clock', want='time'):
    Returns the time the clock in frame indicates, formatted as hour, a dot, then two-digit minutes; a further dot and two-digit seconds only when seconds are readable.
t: 10.51.07
